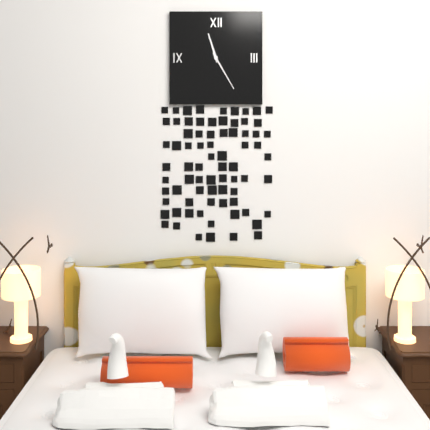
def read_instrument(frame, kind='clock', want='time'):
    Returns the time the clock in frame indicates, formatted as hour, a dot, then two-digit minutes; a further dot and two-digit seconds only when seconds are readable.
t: 11.25
